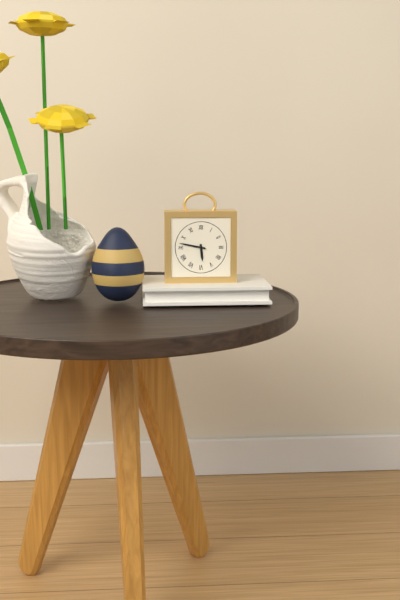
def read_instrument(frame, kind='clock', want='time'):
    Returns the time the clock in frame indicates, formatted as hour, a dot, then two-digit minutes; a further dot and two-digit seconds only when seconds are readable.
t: 5.47
